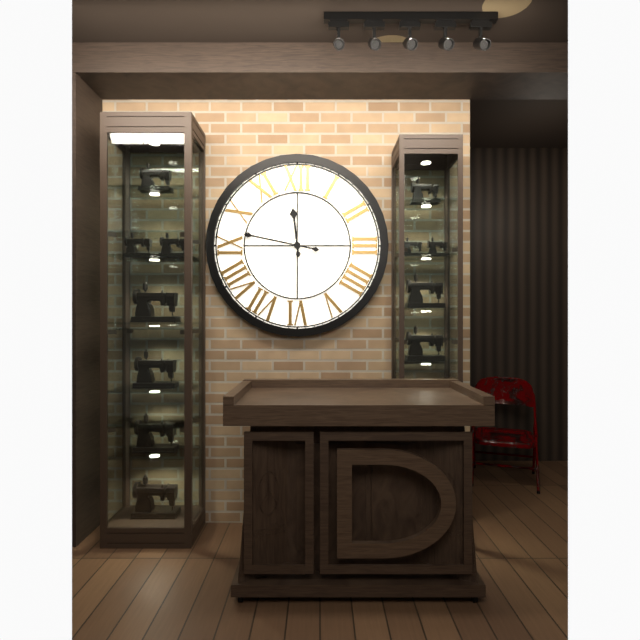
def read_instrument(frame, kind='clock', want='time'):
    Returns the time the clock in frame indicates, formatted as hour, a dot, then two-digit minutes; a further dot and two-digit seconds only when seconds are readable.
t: 11.47
